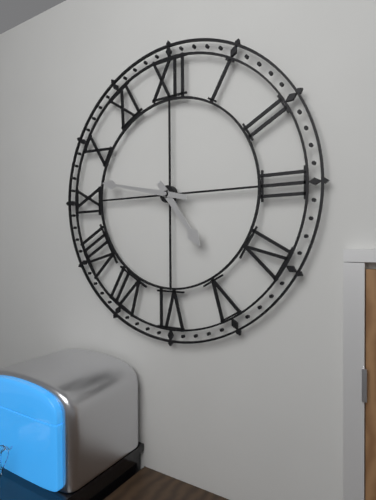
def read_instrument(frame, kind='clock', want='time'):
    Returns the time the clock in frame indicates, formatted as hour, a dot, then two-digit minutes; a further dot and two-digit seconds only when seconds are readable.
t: 4.47
